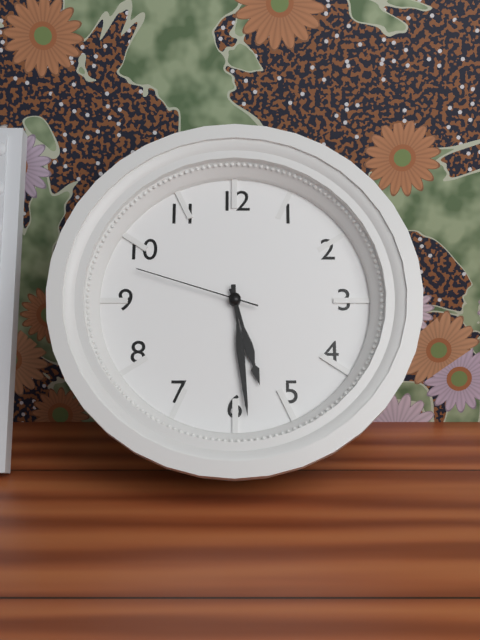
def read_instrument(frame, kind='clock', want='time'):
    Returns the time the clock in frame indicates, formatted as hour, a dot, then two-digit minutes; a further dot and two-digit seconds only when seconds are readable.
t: 5.29.48
